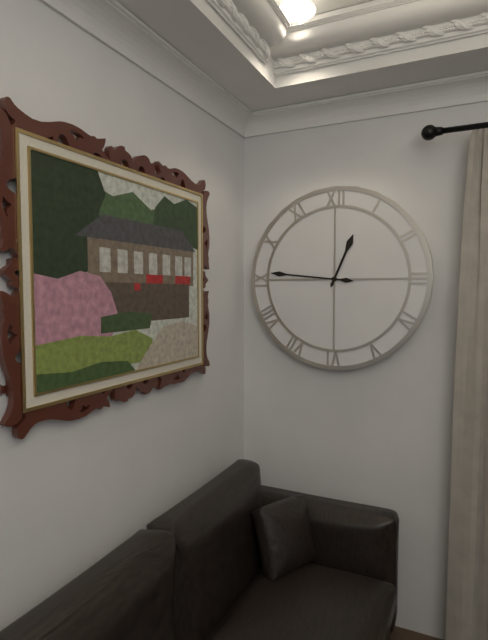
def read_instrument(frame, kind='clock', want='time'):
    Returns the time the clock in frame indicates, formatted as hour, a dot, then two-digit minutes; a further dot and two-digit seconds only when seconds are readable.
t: 12.46
